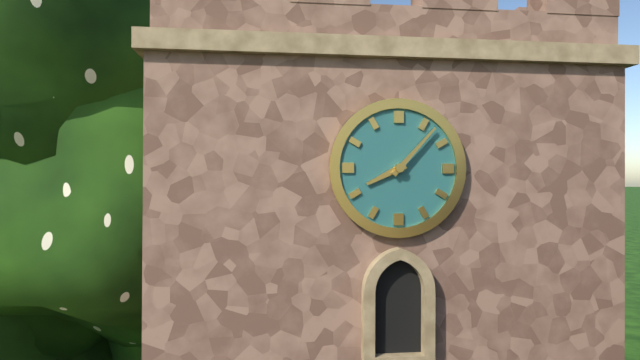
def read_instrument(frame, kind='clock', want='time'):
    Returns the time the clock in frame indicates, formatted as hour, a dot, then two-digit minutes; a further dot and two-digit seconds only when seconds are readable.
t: 8.07
